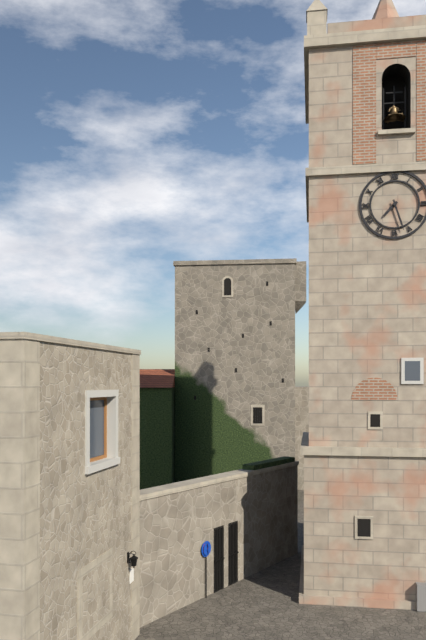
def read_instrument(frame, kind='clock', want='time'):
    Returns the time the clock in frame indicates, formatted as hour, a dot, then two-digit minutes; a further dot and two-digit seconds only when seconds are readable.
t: 7.27
